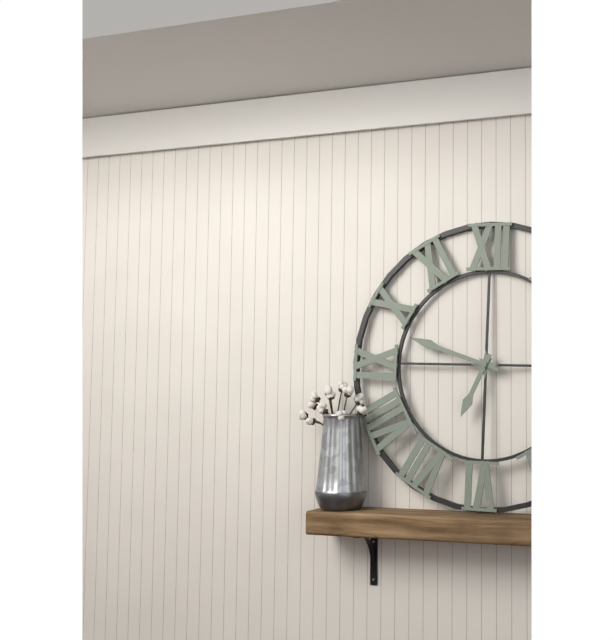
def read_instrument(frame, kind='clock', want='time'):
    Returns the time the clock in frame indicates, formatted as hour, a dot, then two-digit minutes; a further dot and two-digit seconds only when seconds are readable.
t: 6.48
